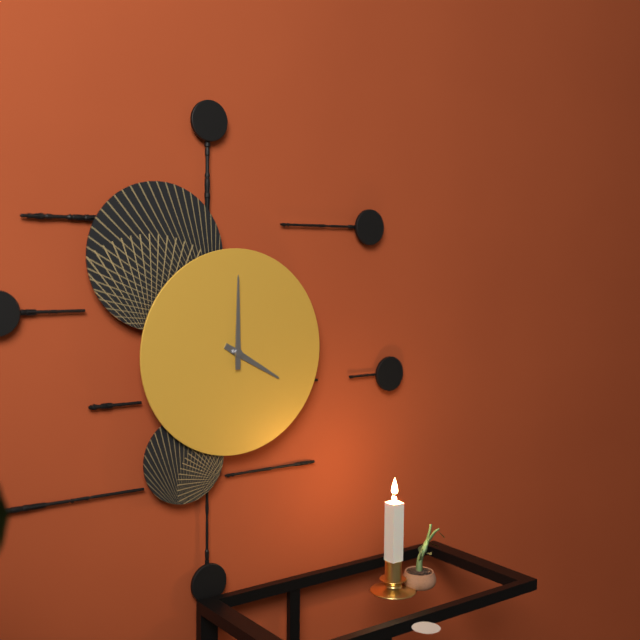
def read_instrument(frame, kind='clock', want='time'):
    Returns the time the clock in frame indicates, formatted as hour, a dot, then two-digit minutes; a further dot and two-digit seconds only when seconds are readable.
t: 4.00
